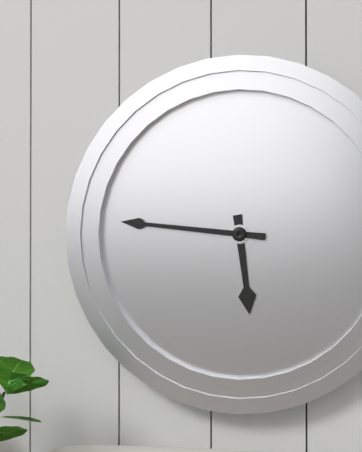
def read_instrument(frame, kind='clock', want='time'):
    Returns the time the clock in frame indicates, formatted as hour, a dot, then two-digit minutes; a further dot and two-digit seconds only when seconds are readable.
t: 5.46
